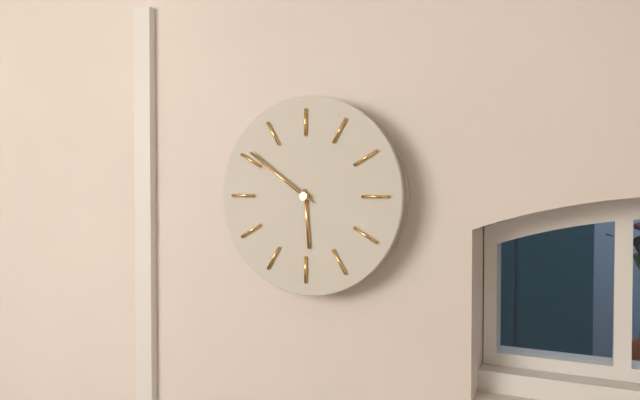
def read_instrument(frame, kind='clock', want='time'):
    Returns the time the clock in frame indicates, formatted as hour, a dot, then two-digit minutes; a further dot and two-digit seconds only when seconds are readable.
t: 5.51
